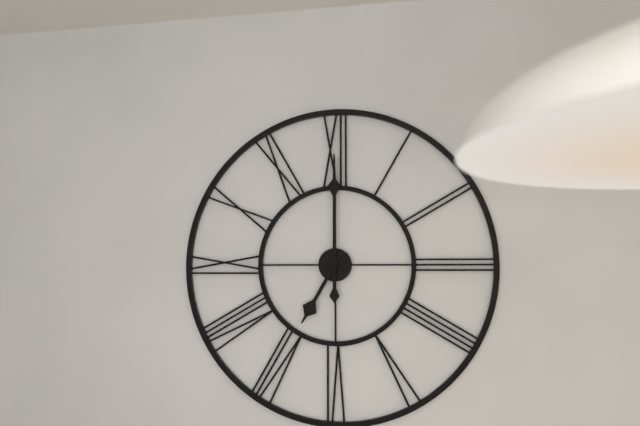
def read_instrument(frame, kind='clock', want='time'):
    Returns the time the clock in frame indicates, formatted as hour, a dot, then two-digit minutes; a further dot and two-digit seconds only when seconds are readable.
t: 7.00
